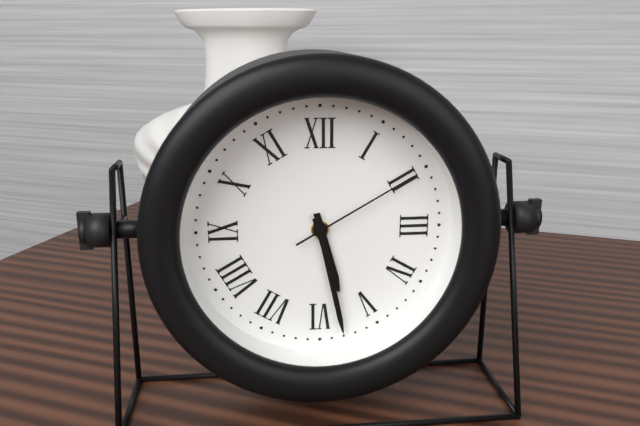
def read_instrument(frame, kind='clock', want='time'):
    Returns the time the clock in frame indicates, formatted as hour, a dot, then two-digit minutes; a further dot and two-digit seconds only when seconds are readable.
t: 5.28.10
